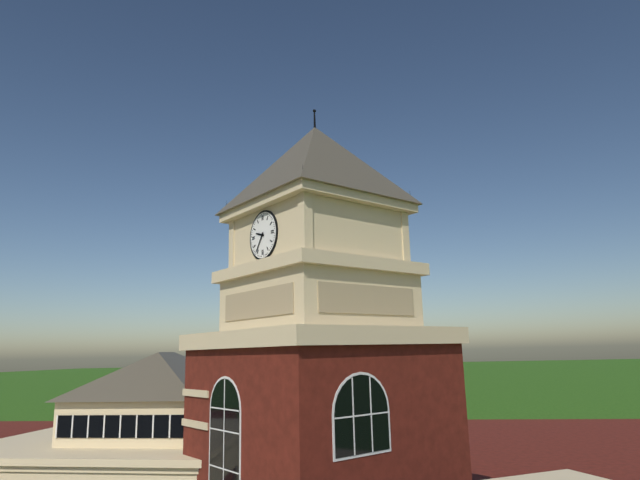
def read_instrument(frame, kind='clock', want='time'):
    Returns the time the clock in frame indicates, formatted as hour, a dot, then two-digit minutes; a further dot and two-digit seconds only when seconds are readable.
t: 9.36
